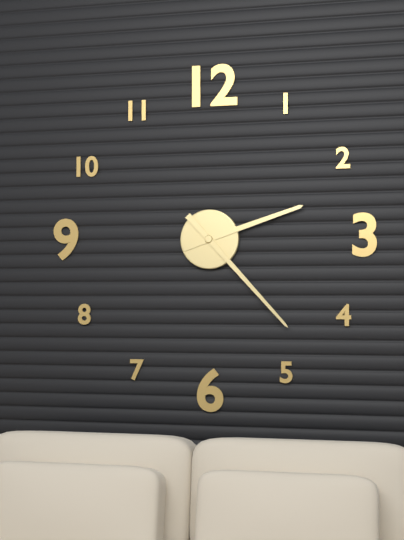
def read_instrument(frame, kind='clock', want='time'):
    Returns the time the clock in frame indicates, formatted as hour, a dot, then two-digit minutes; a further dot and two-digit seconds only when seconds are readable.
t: 2.23
